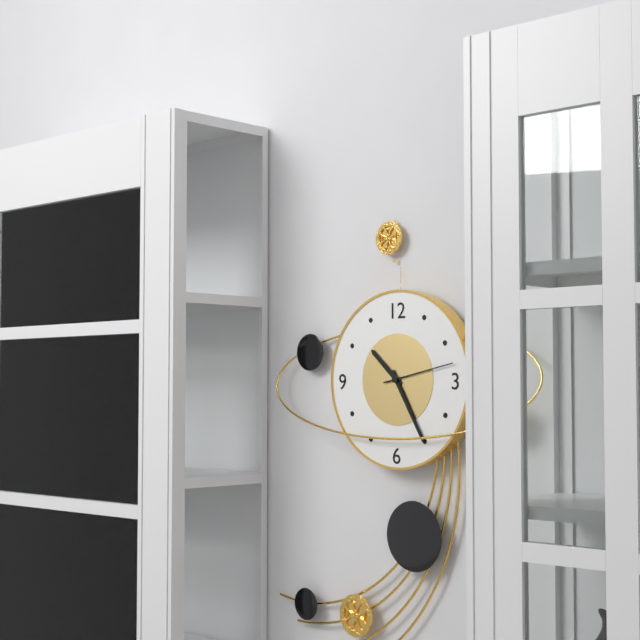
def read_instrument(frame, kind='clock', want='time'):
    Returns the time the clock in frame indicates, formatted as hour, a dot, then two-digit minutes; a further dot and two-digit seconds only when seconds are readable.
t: 10.25.13
